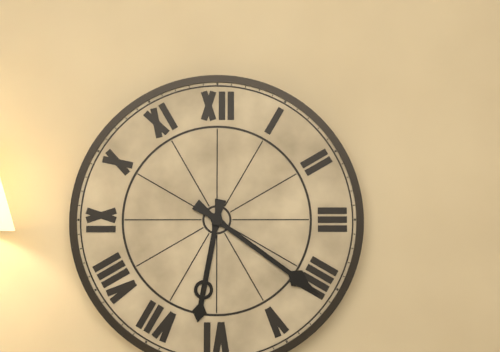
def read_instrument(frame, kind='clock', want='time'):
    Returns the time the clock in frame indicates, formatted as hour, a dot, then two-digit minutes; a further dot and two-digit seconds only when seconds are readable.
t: 6.21
